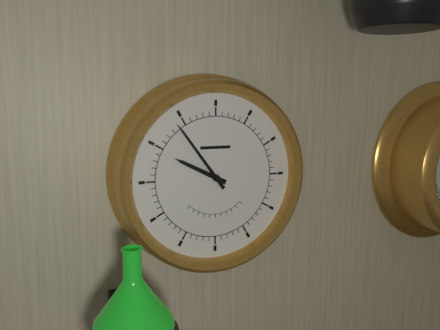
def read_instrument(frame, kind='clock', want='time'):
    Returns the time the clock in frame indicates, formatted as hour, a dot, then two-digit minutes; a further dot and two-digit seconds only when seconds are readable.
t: 9.54
